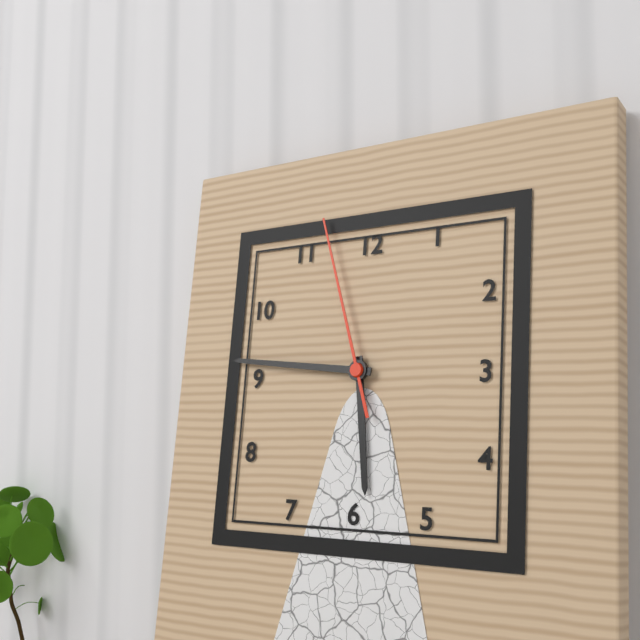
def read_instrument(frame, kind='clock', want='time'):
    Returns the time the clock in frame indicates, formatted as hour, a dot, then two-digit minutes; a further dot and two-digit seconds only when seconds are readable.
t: 5.46.57
